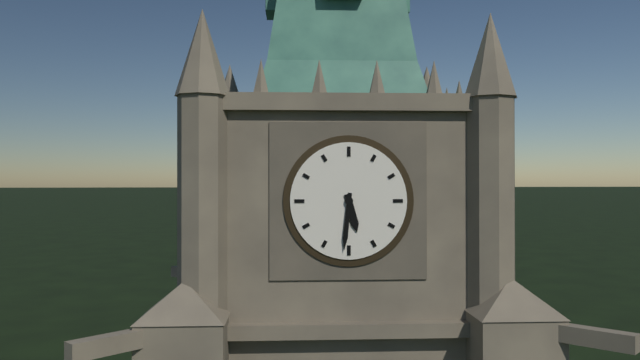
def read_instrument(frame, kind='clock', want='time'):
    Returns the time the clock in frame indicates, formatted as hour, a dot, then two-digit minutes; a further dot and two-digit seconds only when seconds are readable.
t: 5.31
